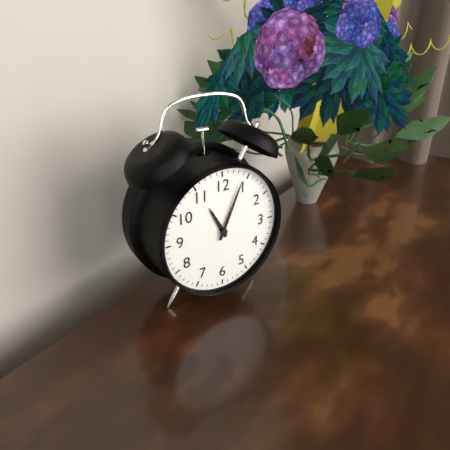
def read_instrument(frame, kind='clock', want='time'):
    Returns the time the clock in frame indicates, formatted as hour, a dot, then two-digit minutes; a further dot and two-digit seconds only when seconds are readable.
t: 11.04
